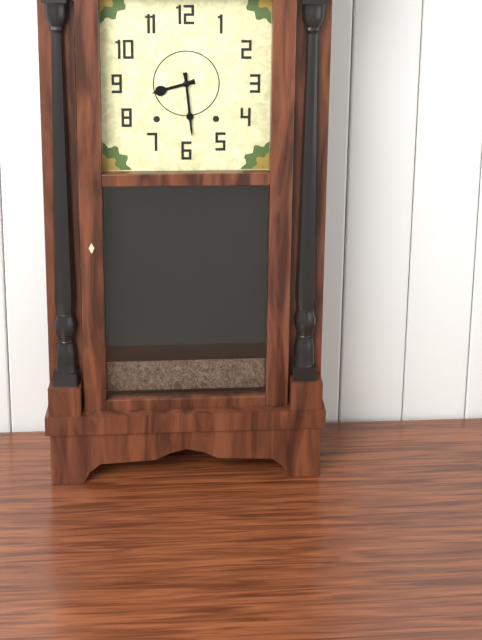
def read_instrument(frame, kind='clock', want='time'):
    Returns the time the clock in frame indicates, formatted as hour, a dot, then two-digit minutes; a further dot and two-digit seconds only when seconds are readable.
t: 8.29
